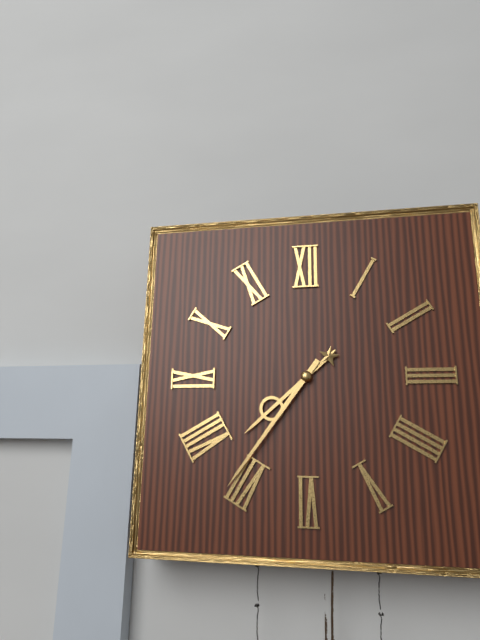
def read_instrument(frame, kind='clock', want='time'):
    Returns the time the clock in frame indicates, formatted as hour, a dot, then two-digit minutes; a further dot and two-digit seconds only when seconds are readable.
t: 7.36
